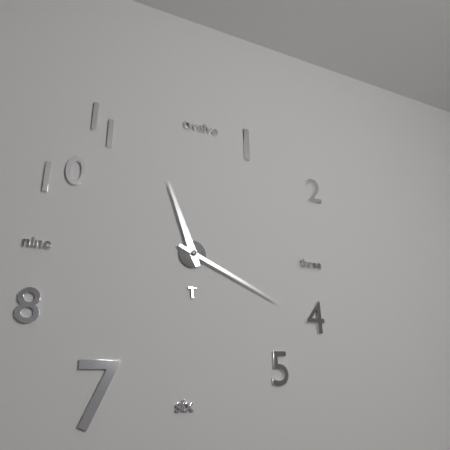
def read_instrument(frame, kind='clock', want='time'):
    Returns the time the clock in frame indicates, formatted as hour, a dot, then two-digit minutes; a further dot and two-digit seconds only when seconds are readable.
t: 11.19
